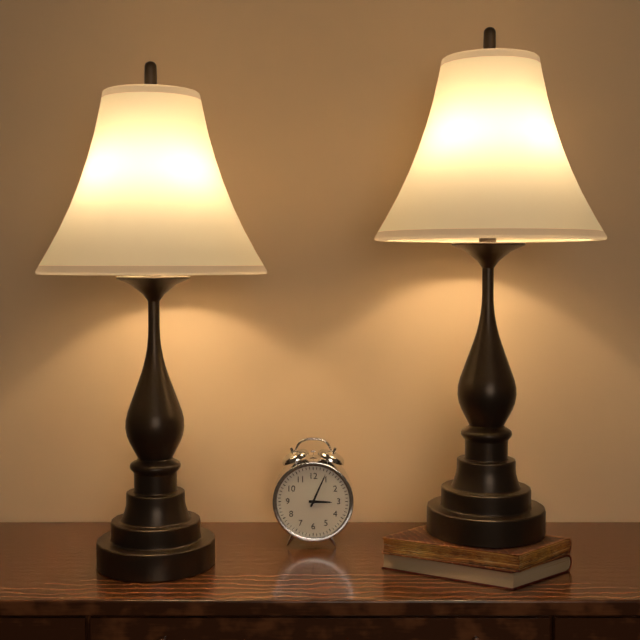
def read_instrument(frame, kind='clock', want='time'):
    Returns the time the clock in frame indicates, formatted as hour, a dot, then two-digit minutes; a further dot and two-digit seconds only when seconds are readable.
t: 3.04
